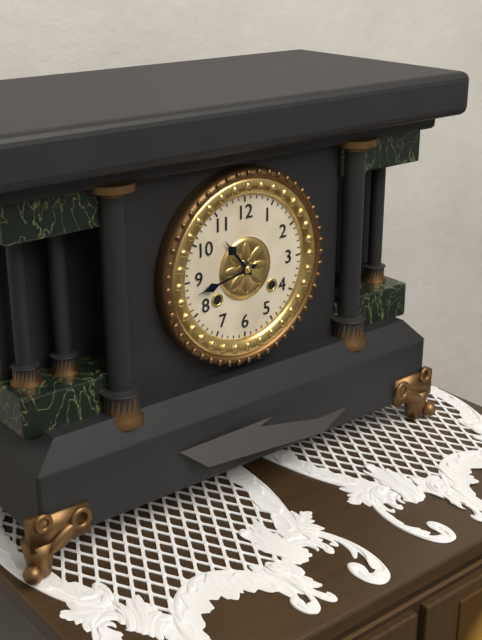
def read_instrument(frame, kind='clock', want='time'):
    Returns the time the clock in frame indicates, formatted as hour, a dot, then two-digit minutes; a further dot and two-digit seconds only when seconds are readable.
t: 10.43
